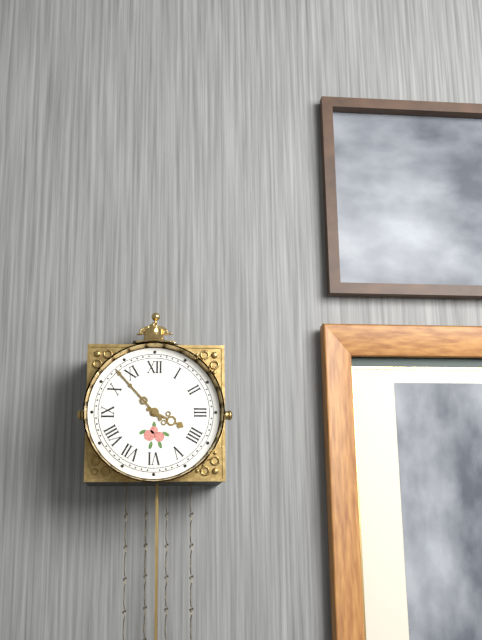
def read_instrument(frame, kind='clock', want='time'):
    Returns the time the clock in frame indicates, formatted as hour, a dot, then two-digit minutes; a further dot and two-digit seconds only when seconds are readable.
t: 3.53
